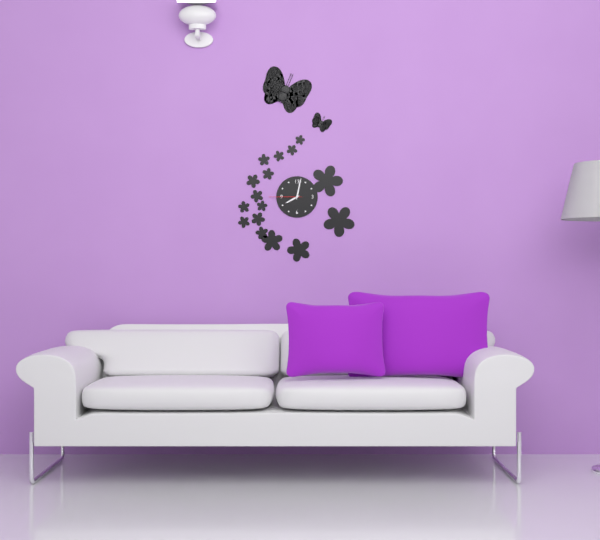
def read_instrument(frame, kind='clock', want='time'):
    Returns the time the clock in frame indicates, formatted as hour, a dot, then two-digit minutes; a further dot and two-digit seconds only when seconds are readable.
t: 8.02
